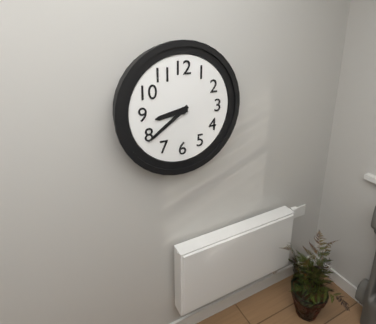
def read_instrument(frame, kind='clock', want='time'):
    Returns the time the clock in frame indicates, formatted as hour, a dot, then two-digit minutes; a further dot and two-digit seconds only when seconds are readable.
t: 8.39
